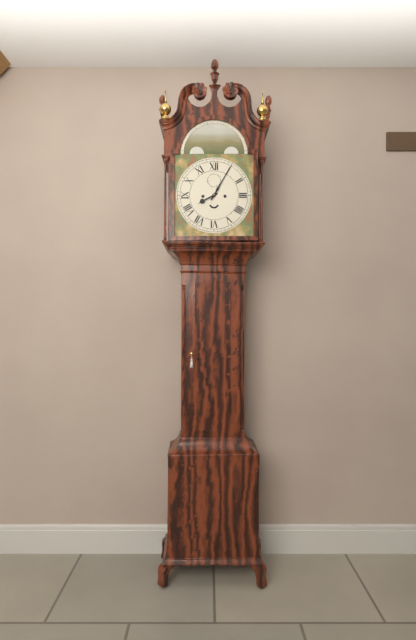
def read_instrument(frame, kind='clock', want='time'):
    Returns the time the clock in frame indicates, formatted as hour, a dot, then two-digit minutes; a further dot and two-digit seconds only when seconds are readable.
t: 8.05
